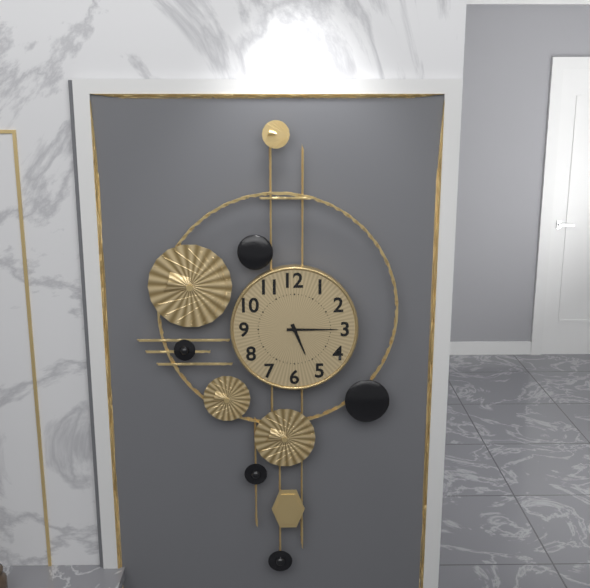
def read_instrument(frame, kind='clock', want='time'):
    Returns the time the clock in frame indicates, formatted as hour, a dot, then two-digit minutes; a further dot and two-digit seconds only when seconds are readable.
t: 5.15
